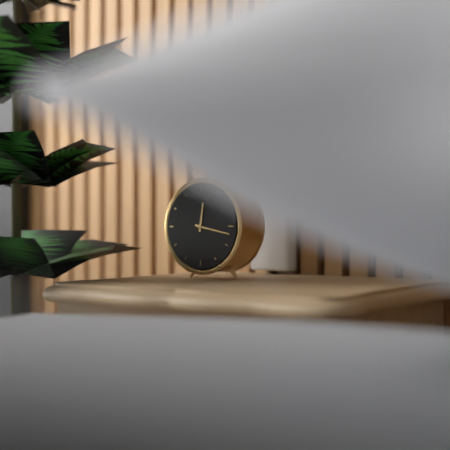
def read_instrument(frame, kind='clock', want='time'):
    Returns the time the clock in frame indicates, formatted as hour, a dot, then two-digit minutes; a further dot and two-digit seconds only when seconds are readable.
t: 12.17
